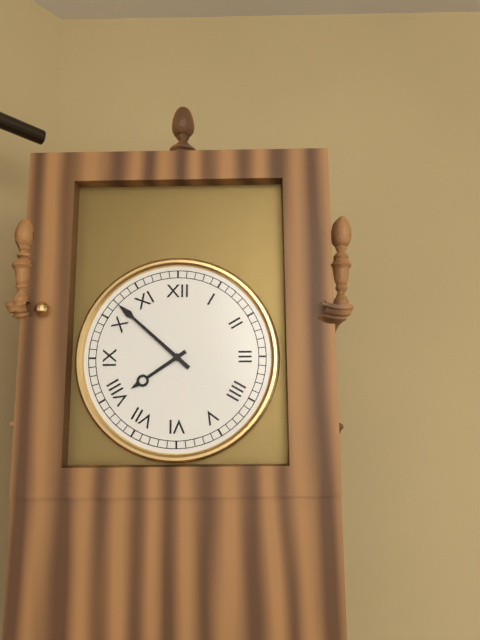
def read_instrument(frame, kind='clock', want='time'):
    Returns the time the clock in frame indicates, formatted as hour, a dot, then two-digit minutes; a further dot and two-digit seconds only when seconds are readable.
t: 7.52
